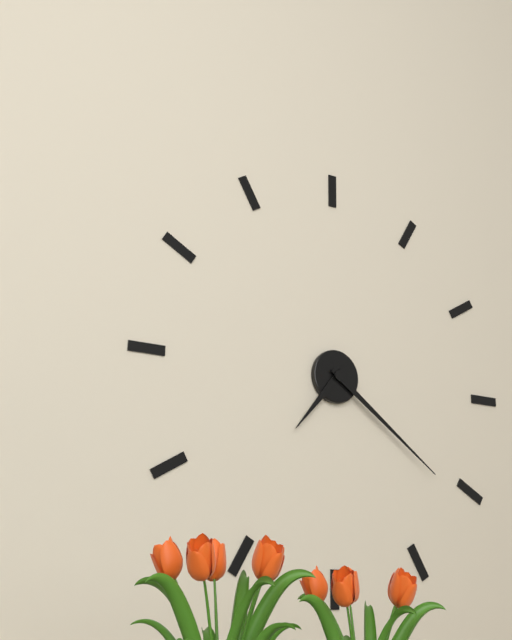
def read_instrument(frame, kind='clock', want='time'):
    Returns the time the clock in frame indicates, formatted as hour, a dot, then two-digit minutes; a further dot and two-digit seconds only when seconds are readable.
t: 7.21
